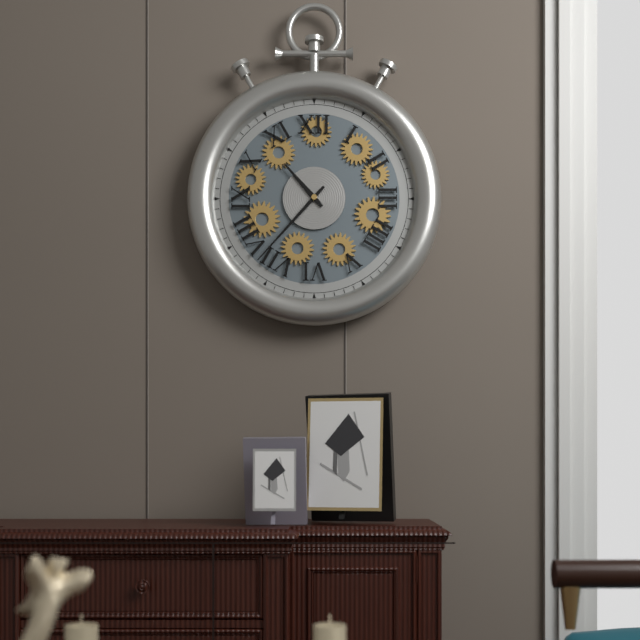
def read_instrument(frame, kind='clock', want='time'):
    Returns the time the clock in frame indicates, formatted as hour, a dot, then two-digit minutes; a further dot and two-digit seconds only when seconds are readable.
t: 10.37
